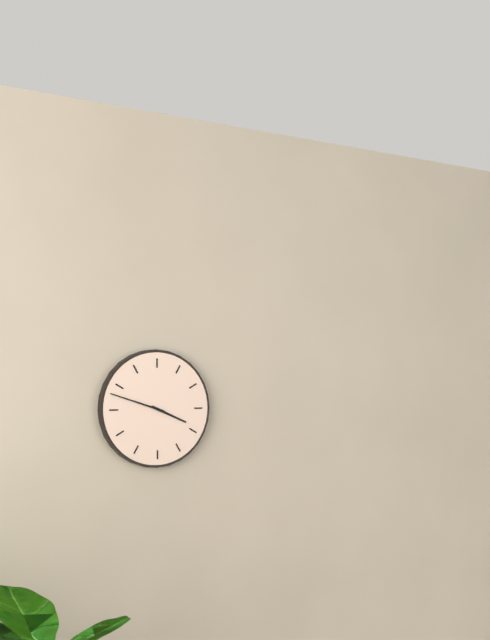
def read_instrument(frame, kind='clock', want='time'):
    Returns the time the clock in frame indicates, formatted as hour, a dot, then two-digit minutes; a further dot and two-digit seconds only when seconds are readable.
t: 3.48
